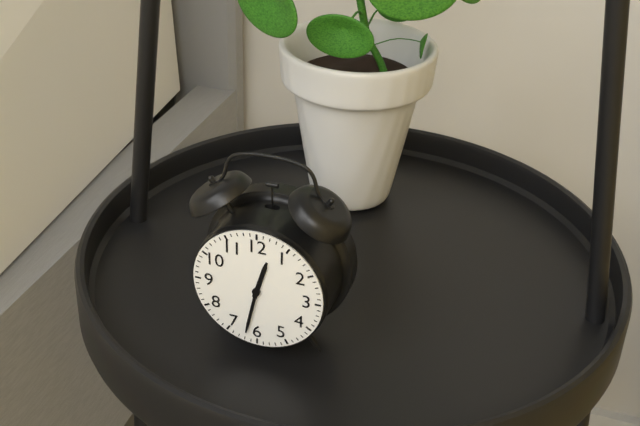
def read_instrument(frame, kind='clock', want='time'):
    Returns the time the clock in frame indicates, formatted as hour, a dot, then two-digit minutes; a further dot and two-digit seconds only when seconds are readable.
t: 12.32
